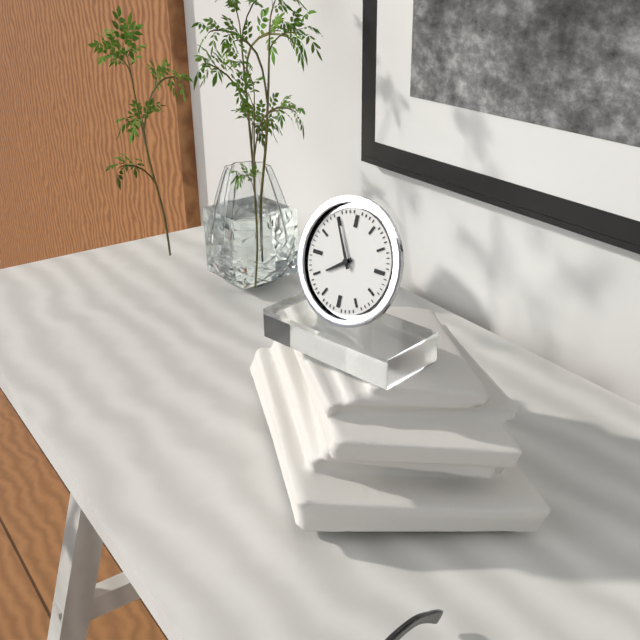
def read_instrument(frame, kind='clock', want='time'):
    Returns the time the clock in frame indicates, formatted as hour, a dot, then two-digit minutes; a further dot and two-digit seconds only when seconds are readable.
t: 7.55
